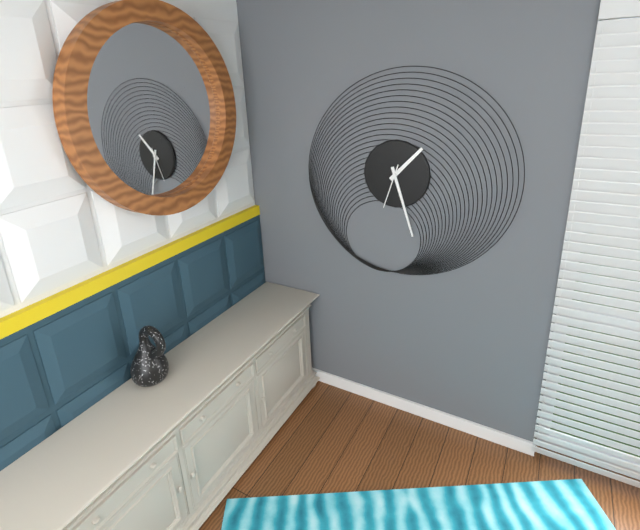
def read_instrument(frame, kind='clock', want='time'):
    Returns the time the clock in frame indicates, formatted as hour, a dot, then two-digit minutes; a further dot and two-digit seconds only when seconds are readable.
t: 1.27
